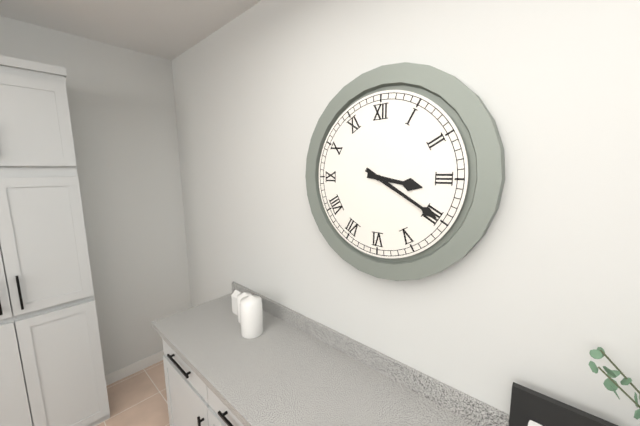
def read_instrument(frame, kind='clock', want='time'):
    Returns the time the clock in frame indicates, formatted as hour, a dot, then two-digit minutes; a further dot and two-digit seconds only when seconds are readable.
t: 3.20
